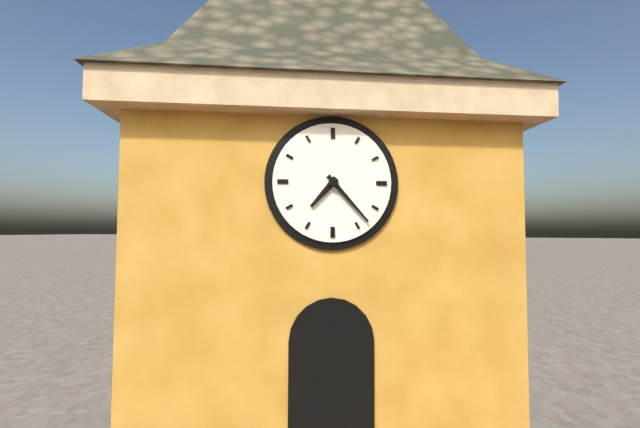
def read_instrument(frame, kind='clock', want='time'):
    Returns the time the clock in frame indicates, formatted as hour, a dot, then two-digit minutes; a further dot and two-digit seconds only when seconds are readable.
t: 7.23
